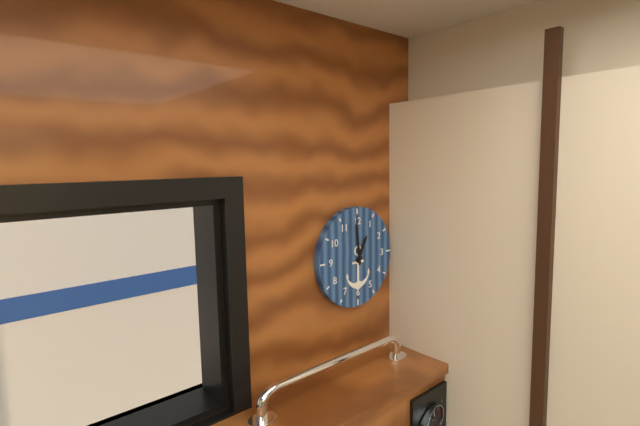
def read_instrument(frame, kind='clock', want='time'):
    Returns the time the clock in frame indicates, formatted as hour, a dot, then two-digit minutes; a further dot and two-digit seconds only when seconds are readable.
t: 12.59
